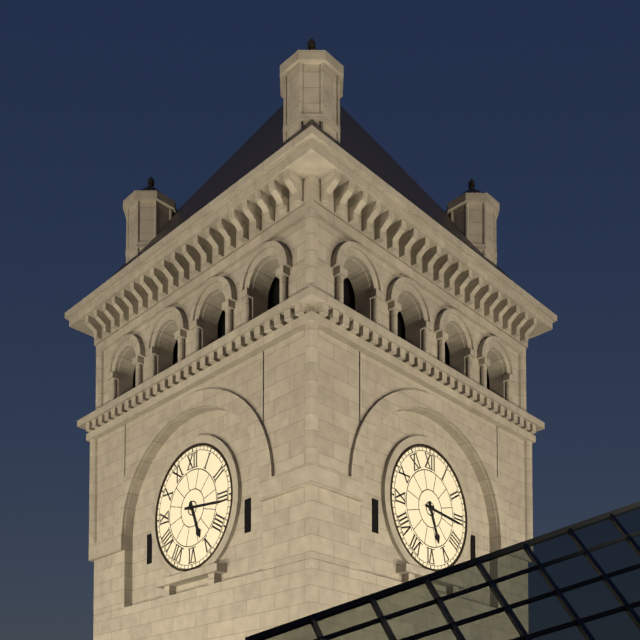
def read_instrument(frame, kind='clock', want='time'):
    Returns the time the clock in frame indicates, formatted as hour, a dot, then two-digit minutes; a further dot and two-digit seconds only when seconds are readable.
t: 5.16
